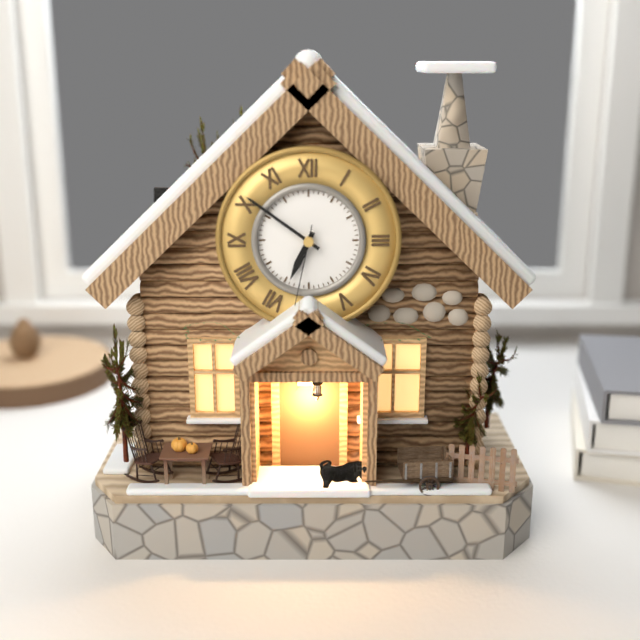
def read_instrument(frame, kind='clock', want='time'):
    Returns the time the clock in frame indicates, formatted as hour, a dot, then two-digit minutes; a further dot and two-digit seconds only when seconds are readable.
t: 6.51.32
